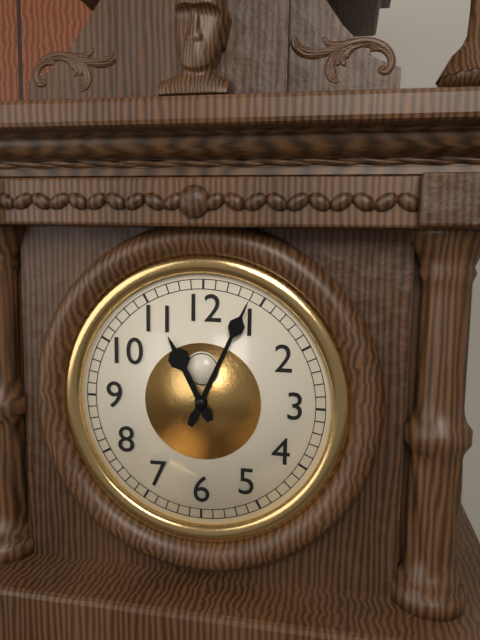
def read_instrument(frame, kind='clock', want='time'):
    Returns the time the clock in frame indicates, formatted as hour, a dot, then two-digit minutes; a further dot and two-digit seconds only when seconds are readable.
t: 11.04
